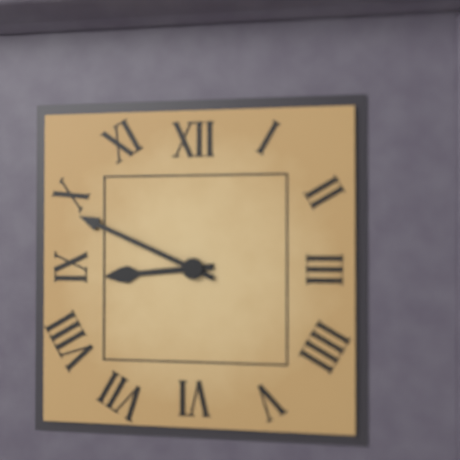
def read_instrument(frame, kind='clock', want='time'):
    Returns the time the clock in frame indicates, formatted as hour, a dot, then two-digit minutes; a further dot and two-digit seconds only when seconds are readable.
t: 8.49
